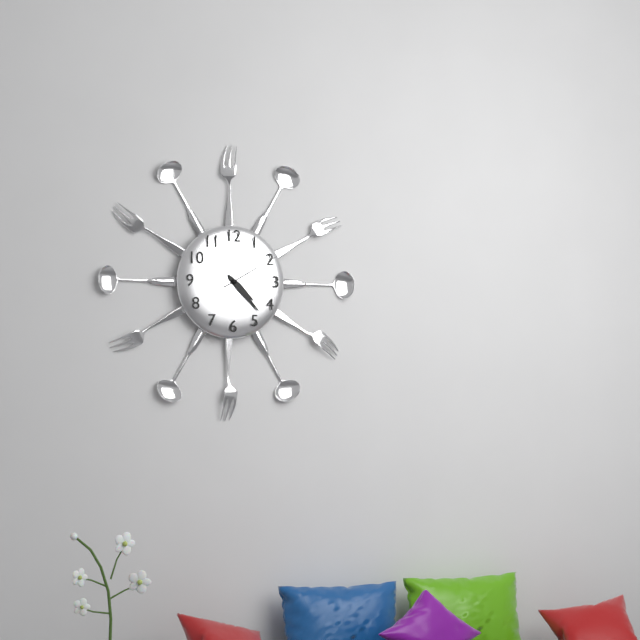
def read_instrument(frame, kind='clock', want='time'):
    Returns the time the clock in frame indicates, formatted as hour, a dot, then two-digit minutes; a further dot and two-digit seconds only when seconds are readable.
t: 4.23.10
